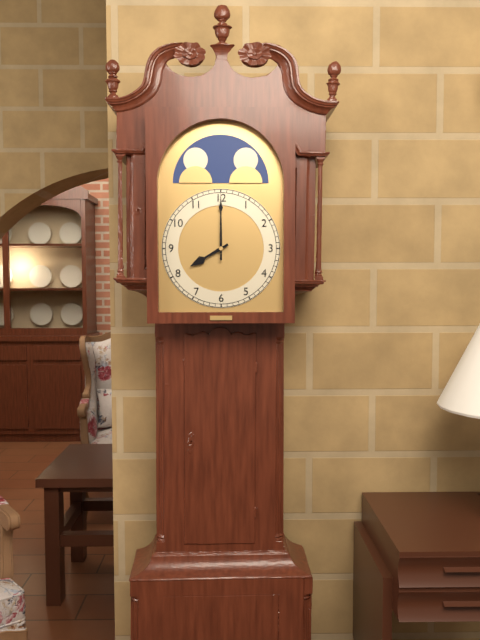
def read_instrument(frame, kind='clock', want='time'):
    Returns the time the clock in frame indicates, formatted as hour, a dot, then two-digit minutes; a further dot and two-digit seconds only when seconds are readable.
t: 8.00
